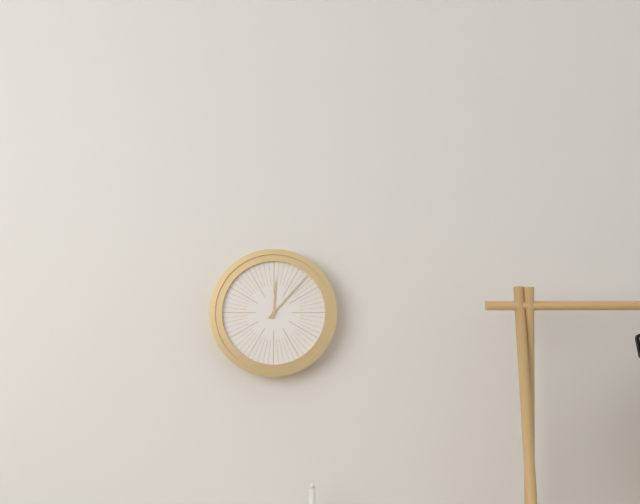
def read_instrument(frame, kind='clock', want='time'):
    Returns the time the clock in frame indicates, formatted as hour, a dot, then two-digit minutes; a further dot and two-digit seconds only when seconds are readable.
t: 12.07
